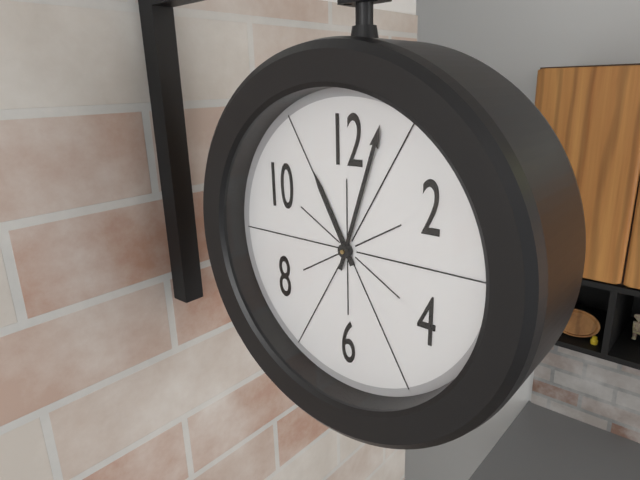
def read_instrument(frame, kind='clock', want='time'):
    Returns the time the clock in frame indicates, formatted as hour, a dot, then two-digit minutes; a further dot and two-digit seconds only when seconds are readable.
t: 11.03
